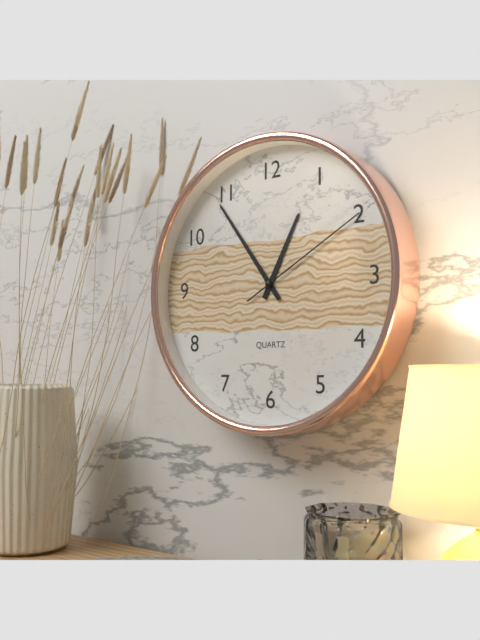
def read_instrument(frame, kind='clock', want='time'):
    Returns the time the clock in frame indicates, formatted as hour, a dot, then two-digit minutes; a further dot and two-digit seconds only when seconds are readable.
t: 12.54.10
